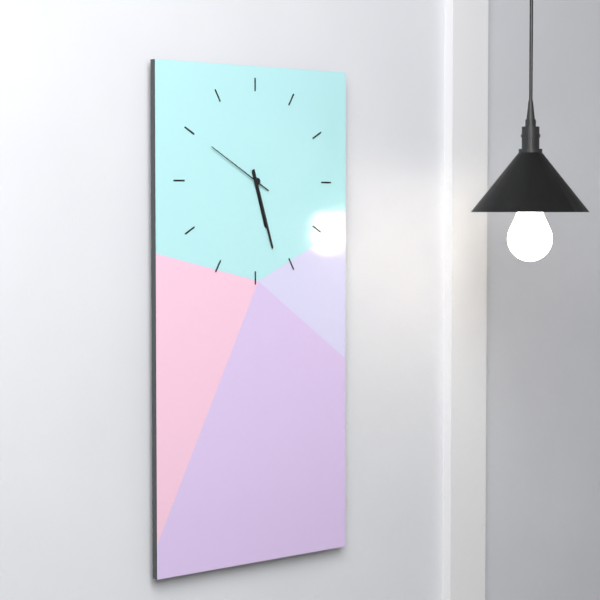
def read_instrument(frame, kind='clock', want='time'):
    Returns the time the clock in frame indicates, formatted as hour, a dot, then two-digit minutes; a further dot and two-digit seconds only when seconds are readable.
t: 5.27.50
